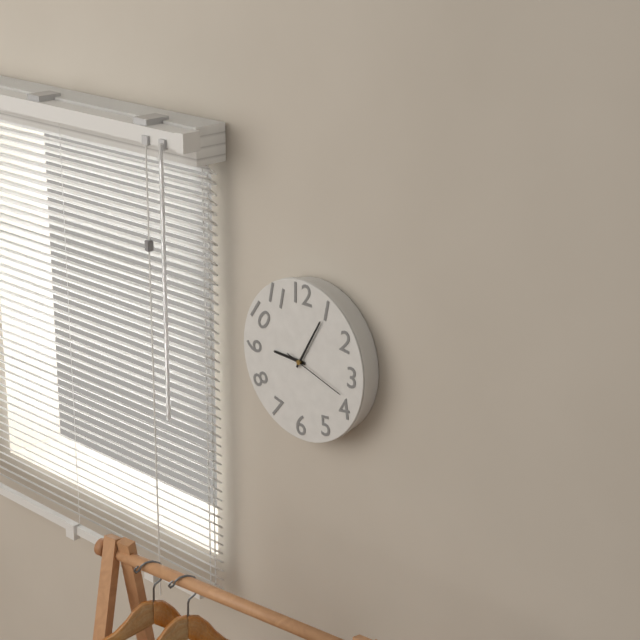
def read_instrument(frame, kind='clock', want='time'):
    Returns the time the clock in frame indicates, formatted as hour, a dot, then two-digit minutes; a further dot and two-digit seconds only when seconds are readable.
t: 9.05.18
